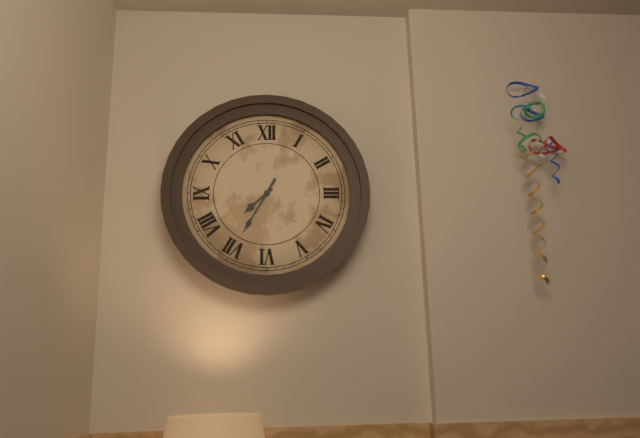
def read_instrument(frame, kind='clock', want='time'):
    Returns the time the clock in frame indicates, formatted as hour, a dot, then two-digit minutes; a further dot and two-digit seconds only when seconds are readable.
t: 7.35
